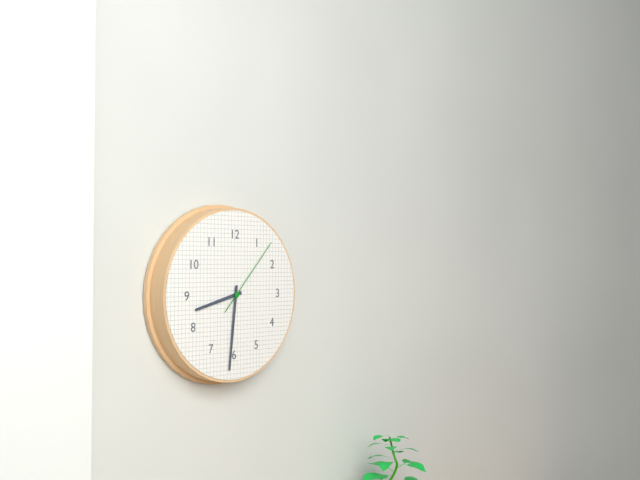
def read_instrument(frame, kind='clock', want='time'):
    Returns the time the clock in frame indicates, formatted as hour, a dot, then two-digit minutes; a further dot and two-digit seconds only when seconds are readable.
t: 8.31.07
